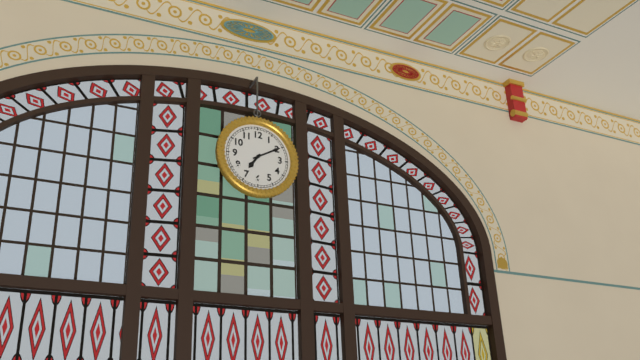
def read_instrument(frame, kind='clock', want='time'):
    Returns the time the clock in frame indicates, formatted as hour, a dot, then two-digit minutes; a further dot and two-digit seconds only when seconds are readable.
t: 7.10
